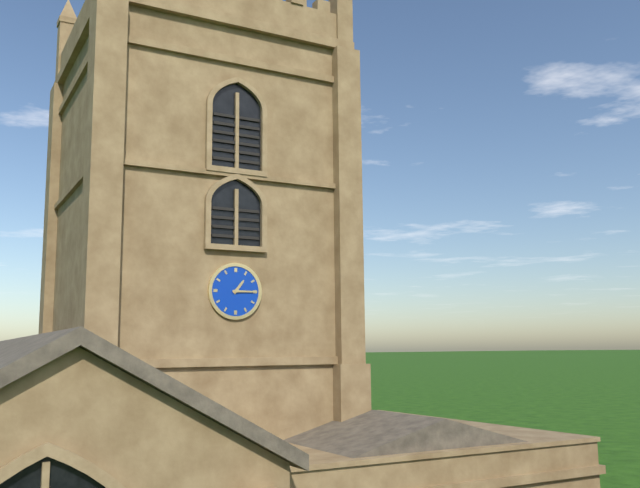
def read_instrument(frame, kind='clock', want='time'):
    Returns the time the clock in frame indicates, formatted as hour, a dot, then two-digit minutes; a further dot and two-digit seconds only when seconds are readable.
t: 1.15
